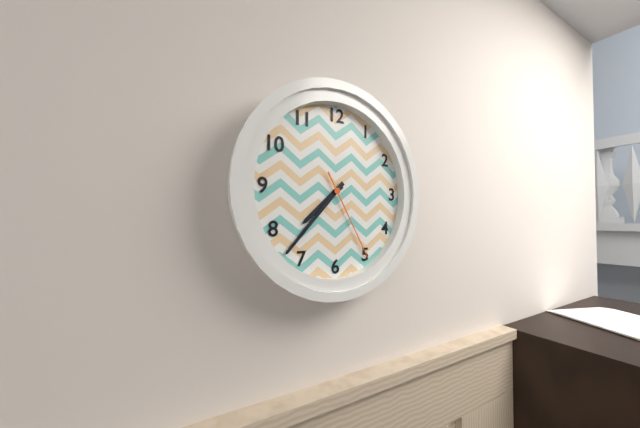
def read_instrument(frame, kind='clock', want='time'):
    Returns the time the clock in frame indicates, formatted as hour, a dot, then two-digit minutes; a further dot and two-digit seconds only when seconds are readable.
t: 7.37.25
